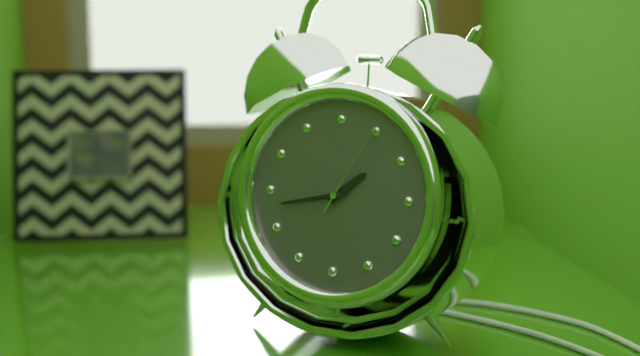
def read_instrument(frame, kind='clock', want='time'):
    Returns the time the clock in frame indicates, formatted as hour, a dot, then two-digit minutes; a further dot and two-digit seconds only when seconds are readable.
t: 1.43.05
